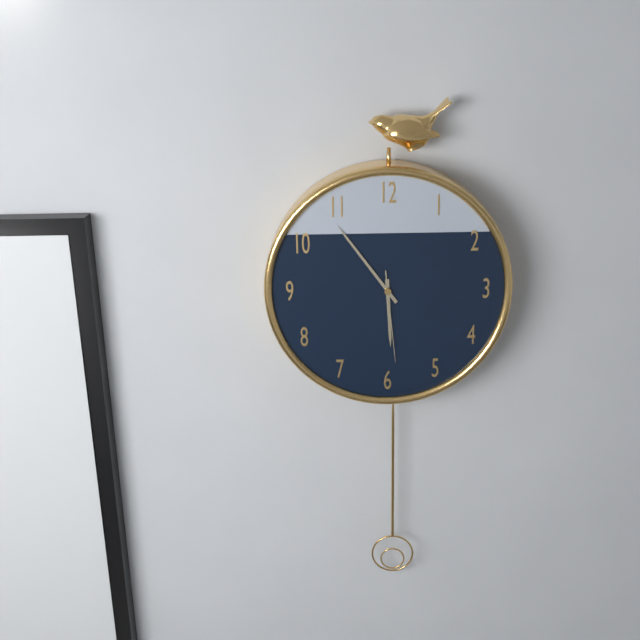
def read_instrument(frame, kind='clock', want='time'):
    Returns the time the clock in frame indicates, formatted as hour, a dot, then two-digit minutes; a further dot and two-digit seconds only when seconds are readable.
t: 5.54.29
